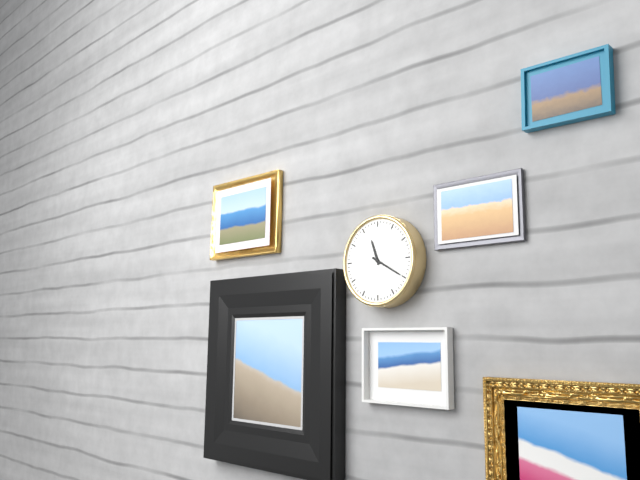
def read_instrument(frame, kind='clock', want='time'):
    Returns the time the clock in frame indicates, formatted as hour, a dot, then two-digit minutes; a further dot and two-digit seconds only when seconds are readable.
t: 11.20
